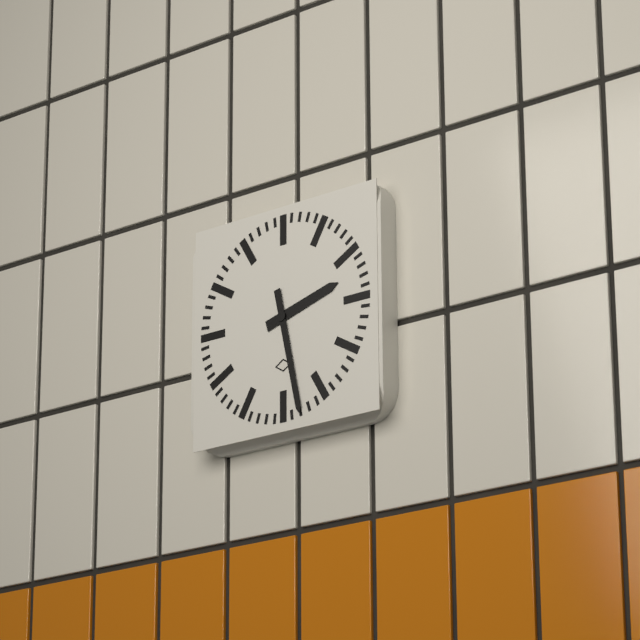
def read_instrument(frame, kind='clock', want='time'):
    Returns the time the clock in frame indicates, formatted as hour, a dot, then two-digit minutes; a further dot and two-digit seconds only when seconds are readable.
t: 2.28
